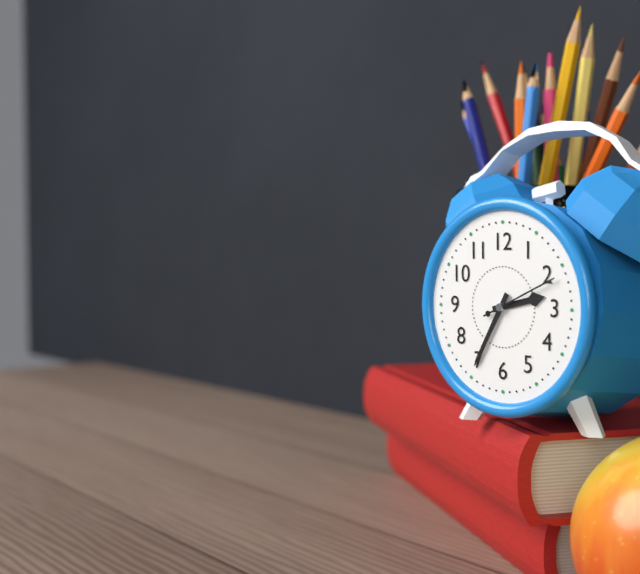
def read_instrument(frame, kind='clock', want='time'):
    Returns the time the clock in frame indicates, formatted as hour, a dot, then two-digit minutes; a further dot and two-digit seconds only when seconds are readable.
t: 2.35.11
